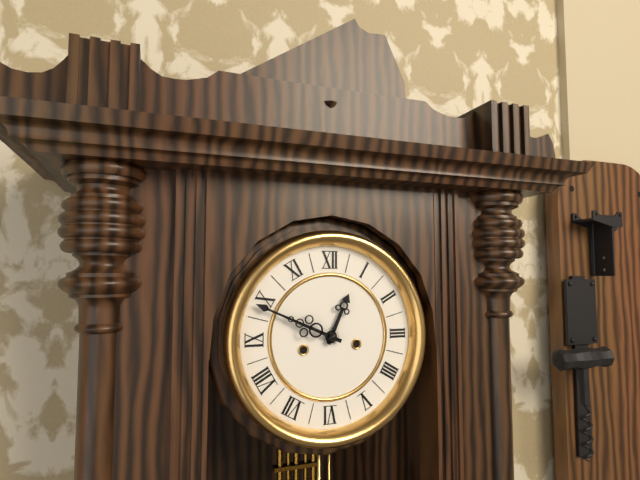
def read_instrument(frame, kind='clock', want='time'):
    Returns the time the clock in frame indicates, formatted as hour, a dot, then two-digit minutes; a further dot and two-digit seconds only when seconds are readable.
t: 12.49
